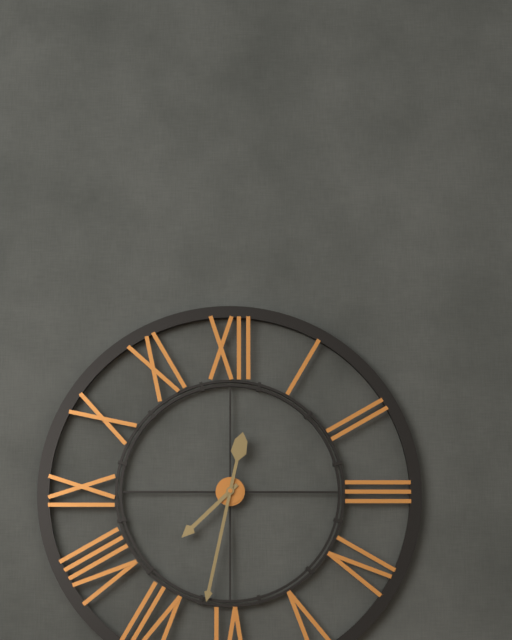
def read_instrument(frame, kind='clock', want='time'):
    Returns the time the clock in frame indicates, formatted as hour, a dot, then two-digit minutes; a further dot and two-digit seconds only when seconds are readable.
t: 7.32
